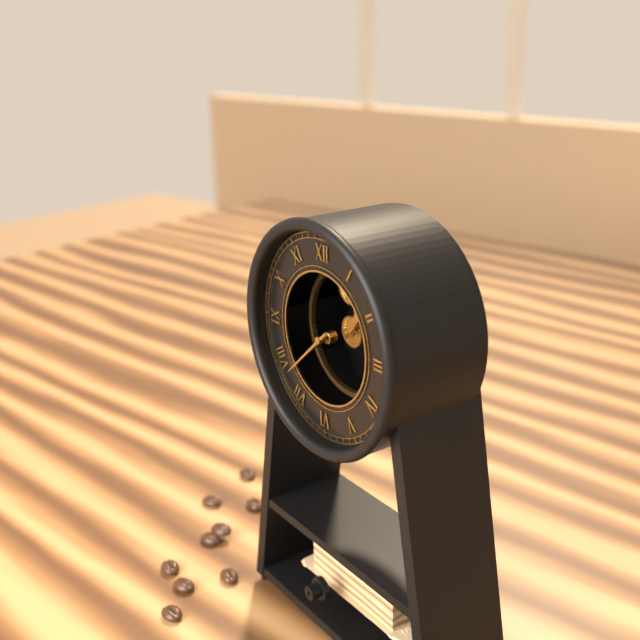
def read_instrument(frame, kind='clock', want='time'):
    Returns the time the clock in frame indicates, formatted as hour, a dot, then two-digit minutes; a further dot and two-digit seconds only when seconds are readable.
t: 7.38
